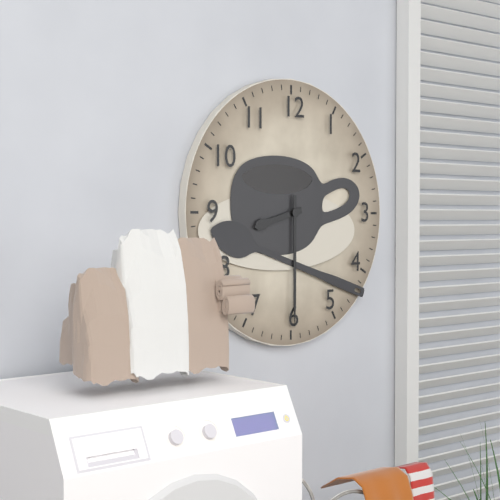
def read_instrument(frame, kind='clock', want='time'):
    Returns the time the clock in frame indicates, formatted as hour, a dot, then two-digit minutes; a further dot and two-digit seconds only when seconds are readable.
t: 8.30
